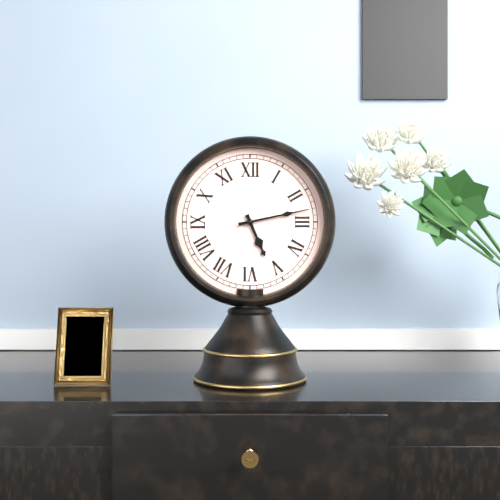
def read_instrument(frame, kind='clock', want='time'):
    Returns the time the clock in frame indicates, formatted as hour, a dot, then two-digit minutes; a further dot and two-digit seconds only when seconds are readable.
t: 5.13
